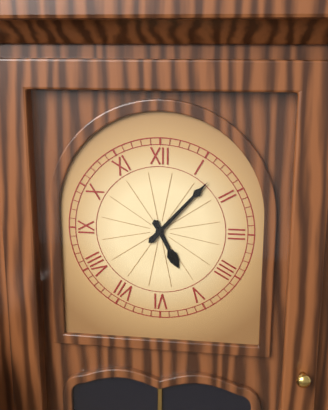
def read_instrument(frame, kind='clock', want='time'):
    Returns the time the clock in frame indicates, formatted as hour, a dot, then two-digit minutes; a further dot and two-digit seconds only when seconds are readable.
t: 5.07
